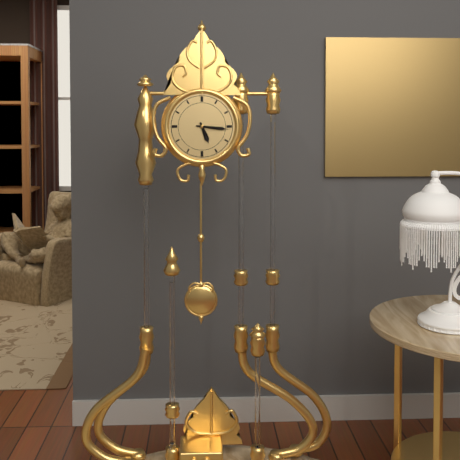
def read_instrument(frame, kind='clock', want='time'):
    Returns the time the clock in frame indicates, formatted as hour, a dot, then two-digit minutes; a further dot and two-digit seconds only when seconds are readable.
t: 5.16
